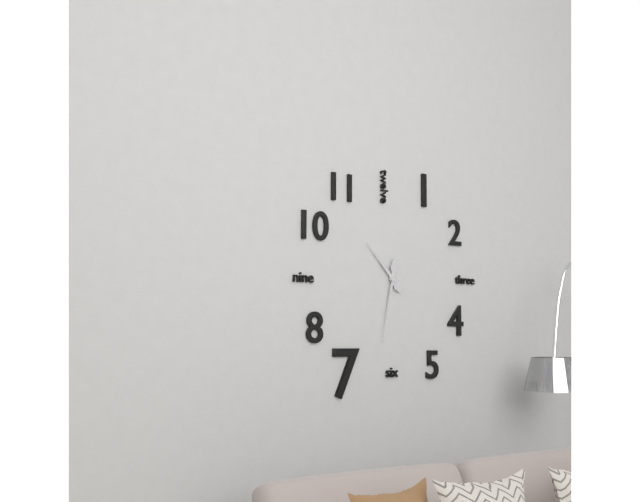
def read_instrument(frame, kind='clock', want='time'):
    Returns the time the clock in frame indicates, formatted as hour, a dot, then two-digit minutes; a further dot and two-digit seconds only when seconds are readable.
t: 10.32
